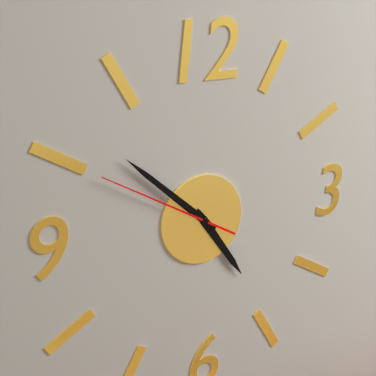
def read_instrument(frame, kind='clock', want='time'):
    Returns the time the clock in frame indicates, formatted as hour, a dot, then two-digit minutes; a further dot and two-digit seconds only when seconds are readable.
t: 4.52.50
